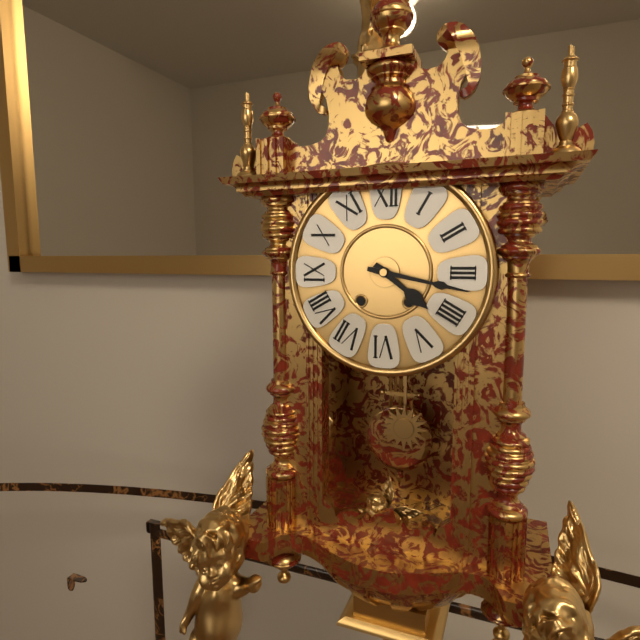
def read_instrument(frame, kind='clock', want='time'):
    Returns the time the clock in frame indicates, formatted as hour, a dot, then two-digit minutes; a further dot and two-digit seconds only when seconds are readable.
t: 4.17
